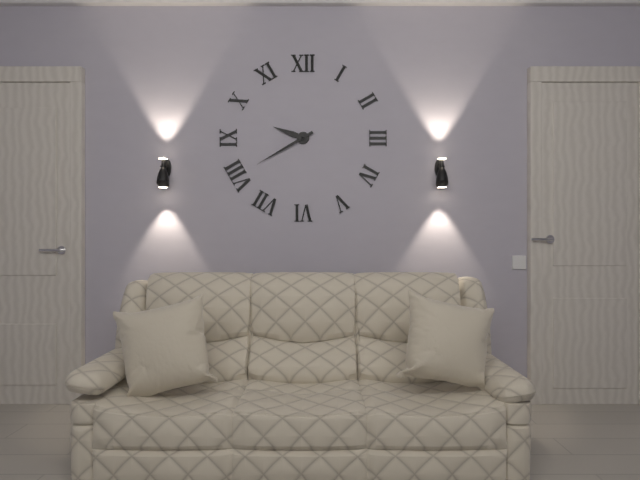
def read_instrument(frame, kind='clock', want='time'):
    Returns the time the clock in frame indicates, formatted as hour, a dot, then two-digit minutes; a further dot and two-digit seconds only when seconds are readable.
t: 9.40
